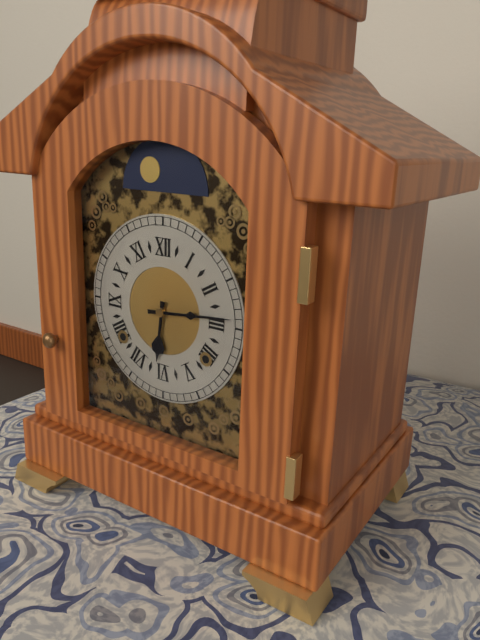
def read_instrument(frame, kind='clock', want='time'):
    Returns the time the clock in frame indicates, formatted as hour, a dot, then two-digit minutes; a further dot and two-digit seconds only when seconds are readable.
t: 6.14
